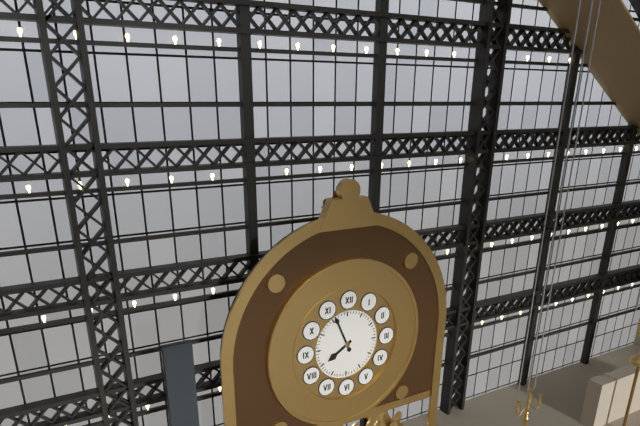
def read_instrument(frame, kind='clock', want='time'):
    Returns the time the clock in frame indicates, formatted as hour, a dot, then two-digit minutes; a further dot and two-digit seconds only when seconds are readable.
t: 7.56
